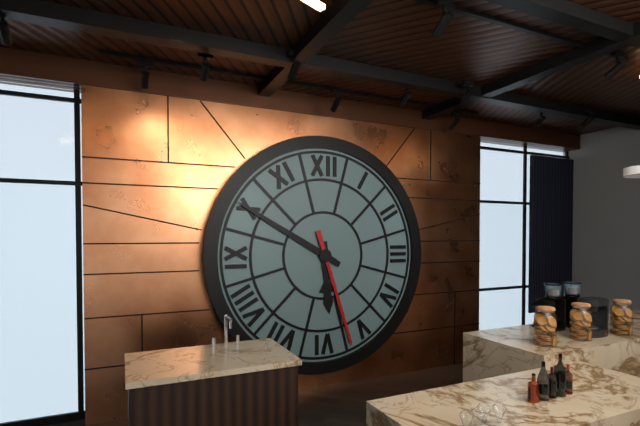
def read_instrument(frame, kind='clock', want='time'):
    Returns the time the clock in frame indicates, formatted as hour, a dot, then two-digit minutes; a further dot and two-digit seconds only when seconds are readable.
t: 5.50.27
